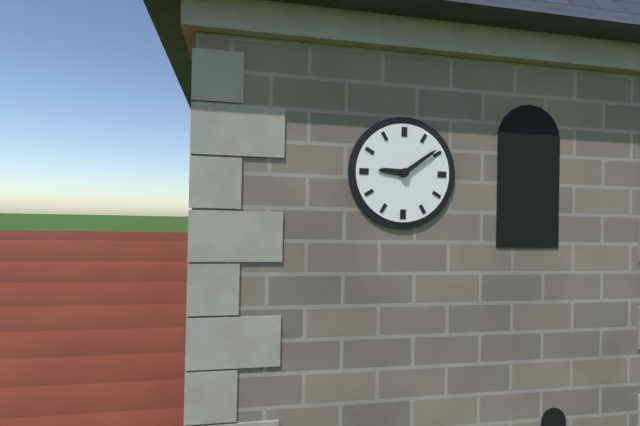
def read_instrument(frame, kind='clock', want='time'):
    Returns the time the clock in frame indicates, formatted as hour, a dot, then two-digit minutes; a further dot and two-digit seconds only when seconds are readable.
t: 9.09
